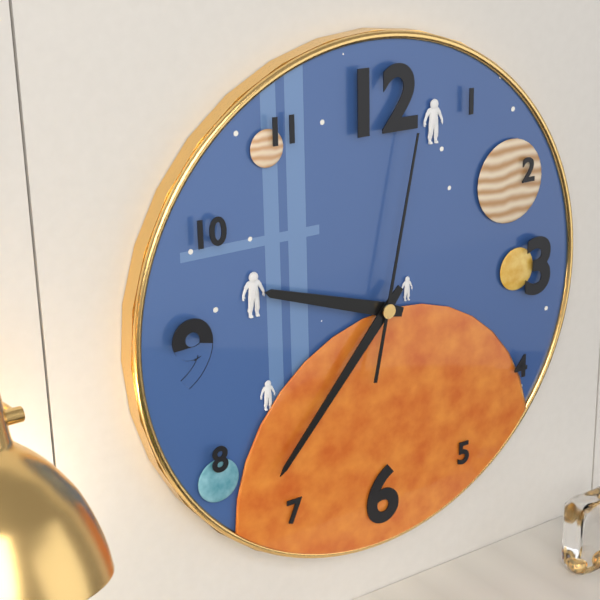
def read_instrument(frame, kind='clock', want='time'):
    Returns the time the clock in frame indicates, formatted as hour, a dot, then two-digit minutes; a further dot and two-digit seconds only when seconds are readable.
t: 9.37.02
